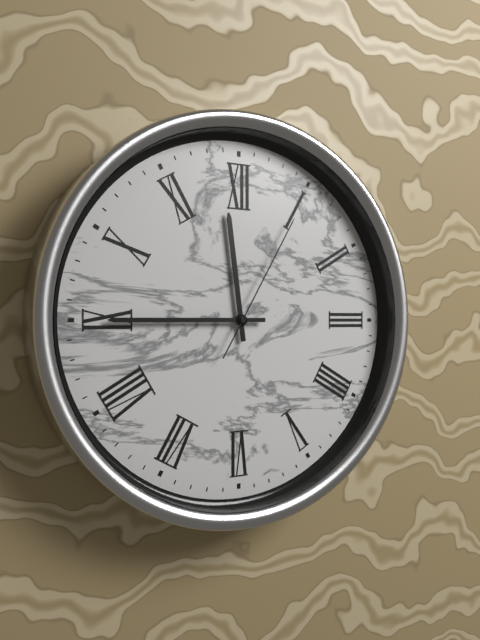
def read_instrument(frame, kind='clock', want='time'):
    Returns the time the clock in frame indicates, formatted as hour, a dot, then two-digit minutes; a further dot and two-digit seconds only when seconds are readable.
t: 11.45.05
